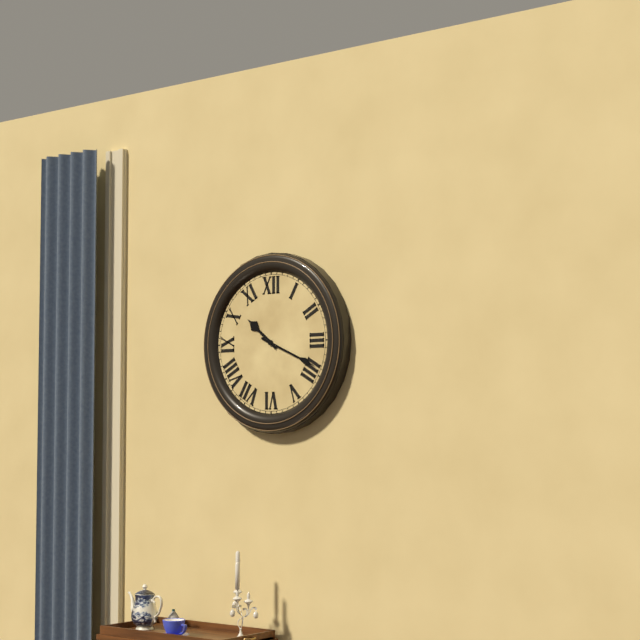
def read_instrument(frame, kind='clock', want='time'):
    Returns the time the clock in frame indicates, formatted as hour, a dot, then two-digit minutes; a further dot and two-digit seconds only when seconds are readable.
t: 10.19
